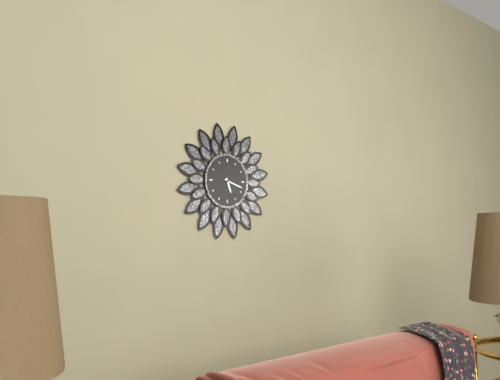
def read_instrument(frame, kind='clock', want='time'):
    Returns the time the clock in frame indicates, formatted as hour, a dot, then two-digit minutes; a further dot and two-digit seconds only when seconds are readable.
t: 5.18
